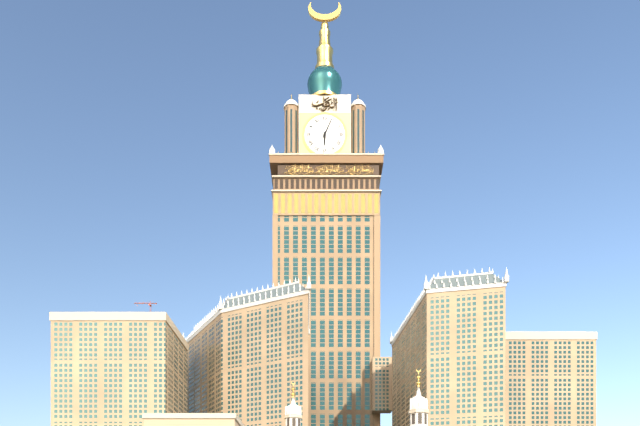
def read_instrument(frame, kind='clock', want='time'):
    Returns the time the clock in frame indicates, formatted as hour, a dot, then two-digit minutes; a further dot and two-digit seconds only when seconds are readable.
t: 6.04
